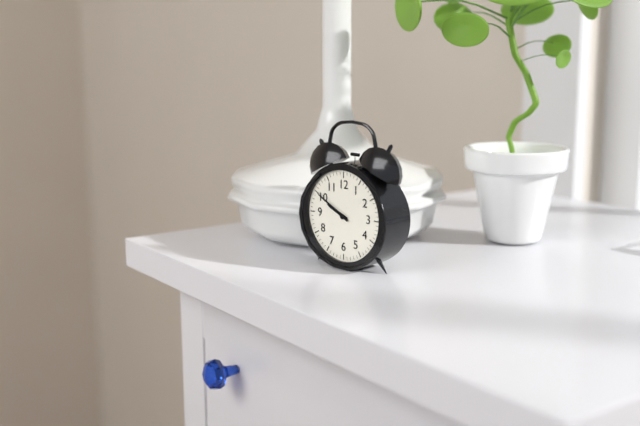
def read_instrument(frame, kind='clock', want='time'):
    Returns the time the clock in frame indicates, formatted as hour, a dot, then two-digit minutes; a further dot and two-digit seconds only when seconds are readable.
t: 9.50
